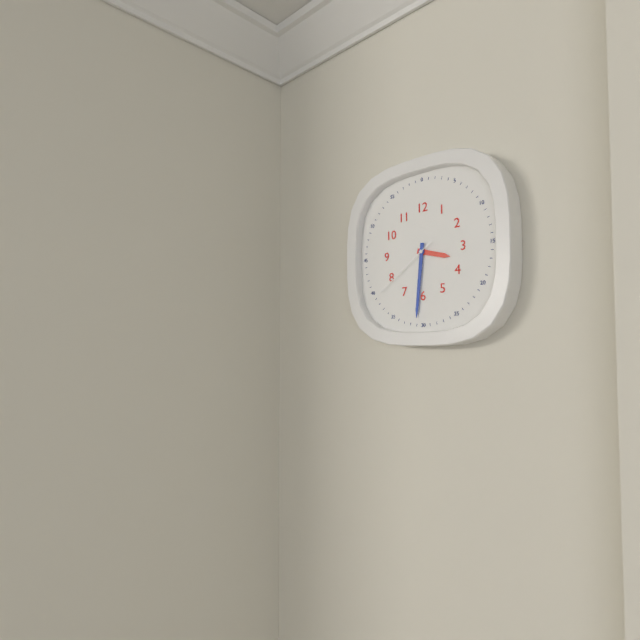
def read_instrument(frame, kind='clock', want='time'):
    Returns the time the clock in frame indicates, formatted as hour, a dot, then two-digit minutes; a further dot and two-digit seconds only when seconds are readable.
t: 3.31.39
